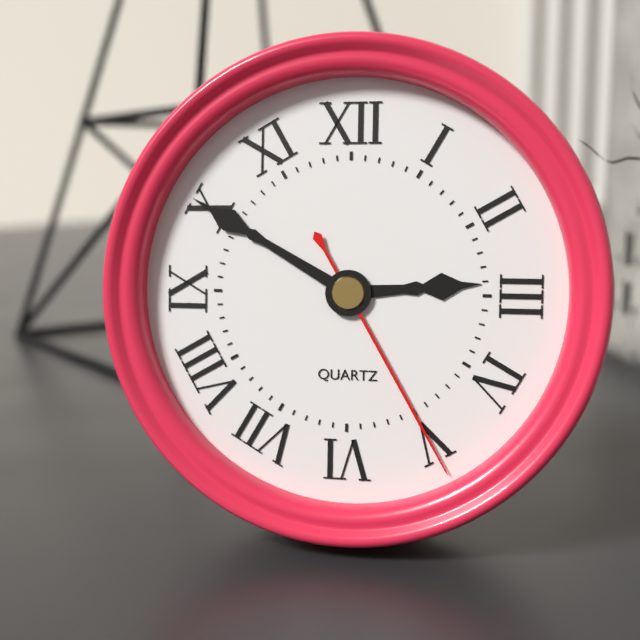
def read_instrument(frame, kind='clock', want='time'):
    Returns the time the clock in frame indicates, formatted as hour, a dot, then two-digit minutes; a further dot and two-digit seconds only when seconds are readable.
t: 2.50.25
